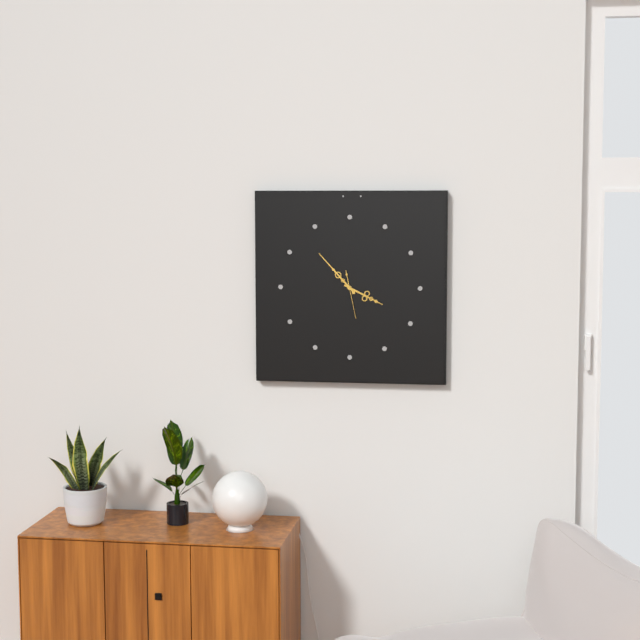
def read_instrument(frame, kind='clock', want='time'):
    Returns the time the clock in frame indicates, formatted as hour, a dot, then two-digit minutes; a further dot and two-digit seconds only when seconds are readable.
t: 3.53
